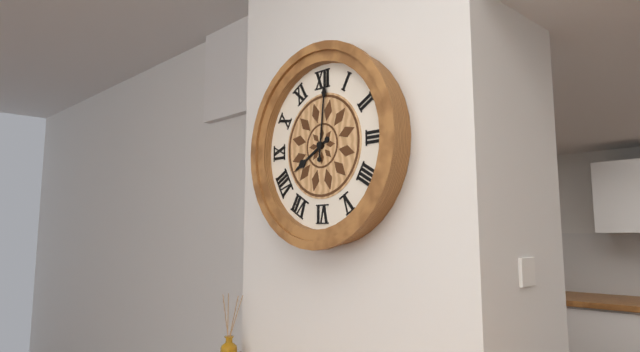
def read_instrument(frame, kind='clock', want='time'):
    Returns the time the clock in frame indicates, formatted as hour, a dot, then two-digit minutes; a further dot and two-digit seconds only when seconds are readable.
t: 8.01
